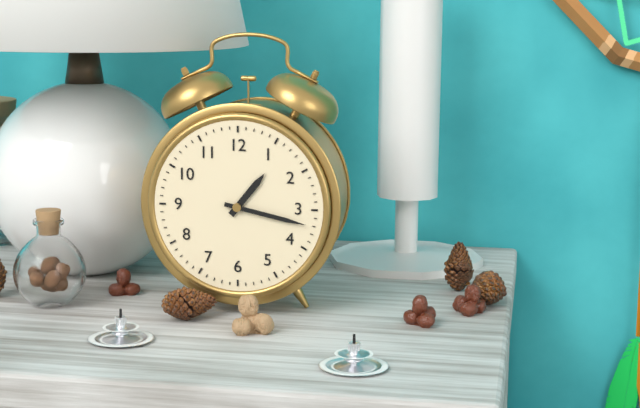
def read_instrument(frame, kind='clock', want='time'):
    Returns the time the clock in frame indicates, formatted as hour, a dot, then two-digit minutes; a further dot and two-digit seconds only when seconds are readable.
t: 1.17
